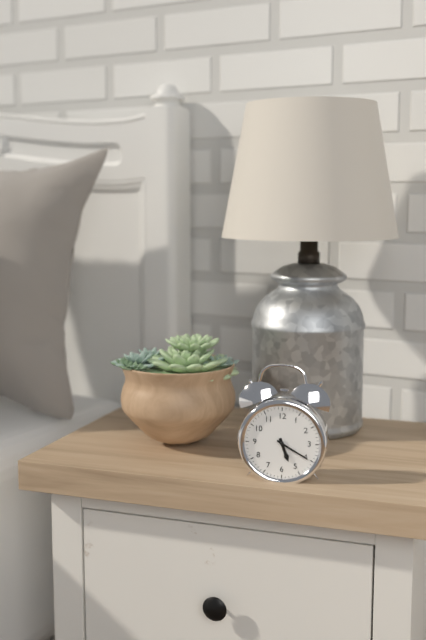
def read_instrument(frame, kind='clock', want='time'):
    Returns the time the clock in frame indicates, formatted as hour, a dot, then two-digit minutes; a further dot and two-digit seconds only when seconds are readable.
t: 5.20
